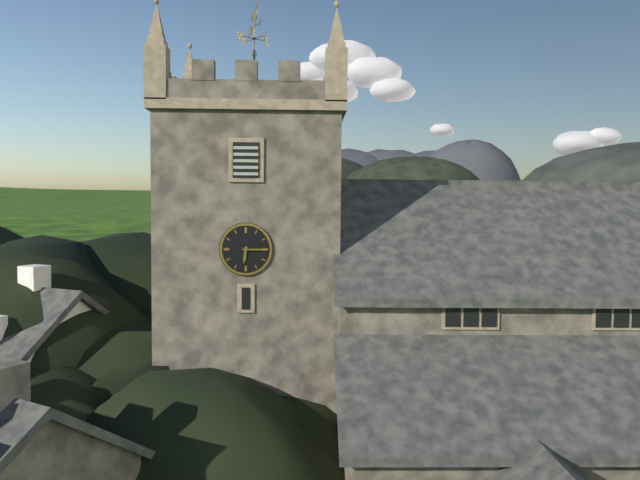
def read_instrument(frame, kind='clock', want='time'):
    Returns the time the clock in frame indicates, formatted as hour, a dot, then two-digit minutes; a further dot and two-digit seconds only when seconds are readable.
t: 6.15
